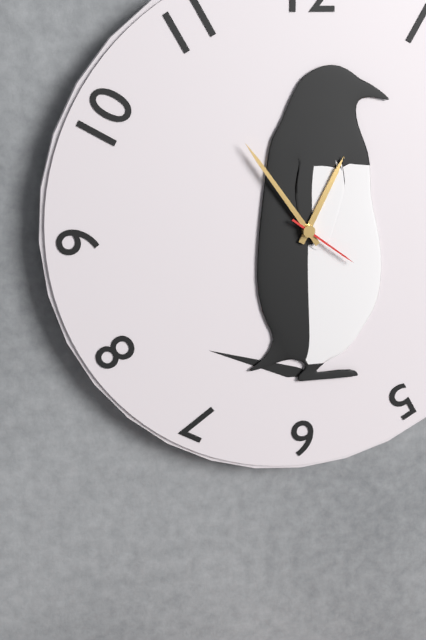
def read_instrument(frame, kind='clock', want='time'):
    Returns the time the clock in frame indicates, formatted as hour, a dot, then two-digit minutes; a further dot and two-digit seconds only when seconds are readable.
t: 12.54.21
